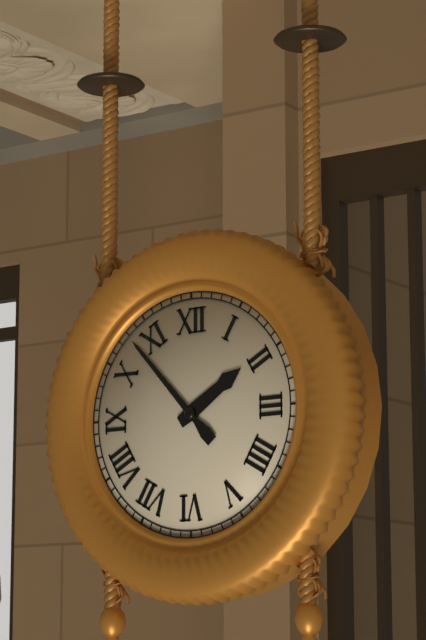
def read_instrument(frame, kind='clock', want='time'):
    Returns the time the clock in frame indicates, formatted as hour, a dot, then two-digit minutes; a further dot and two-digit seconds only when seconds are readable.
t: 1.53
